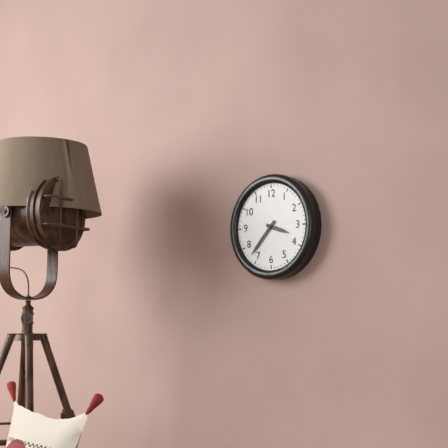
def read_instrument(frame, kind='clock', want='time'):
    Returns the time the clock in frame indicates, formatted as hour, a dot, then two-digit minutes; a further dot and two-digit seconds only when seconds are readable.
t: 3.37
